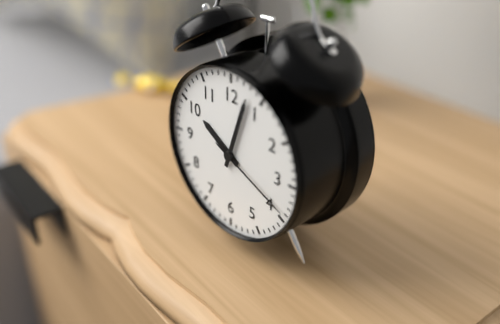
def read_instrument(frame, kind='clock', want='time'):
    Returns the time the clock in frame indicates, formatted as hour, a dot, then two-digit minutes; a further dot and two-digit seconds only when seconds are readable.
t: 10.03.19
